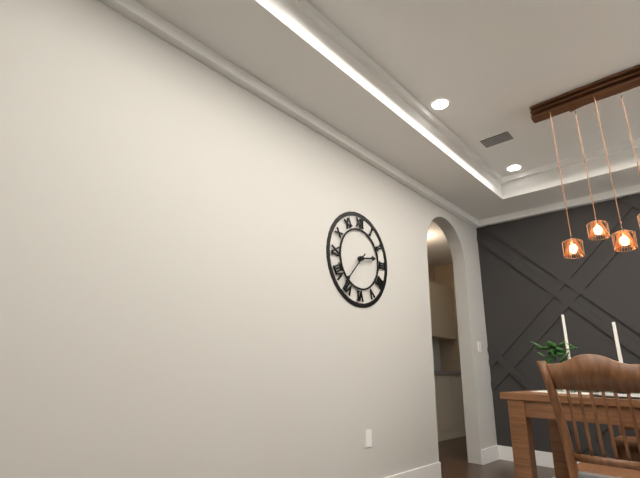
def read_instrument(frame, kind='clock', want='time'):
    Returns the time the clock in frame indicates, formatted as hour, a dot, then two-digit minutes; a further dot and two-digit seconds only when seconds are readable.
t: 2.37
